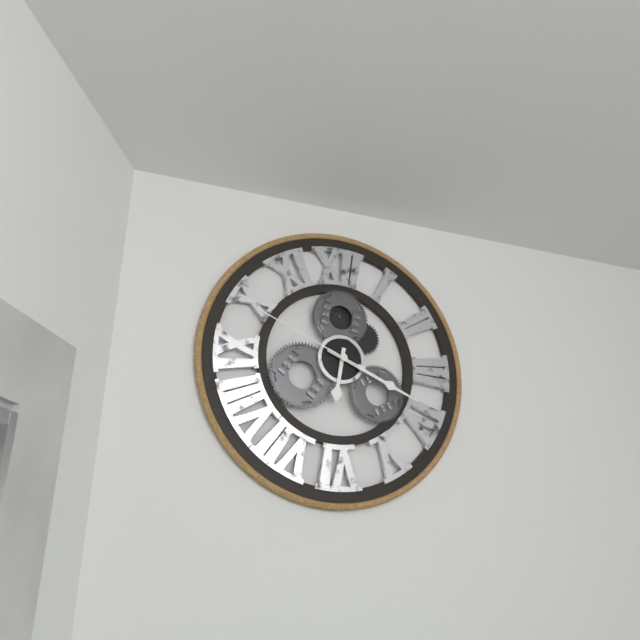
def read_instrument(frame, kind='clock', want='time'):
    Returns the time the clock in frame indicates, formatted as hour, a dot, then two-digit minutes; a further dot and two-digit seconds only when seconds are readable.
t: 6.19.49
